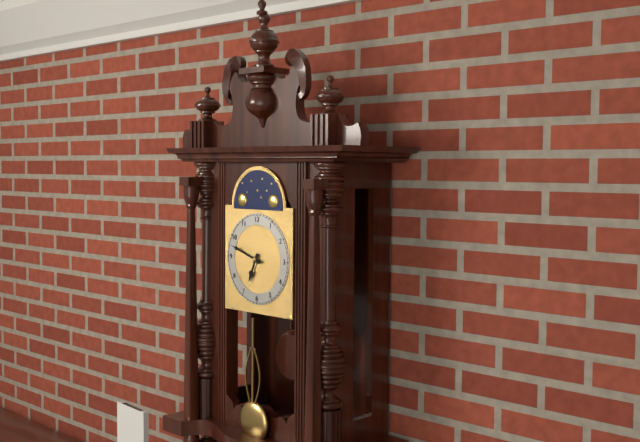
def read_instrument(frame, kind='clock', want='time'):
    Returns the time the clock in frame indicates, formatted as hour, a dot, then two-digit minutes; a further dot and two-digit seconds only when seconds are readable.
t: 6.48
